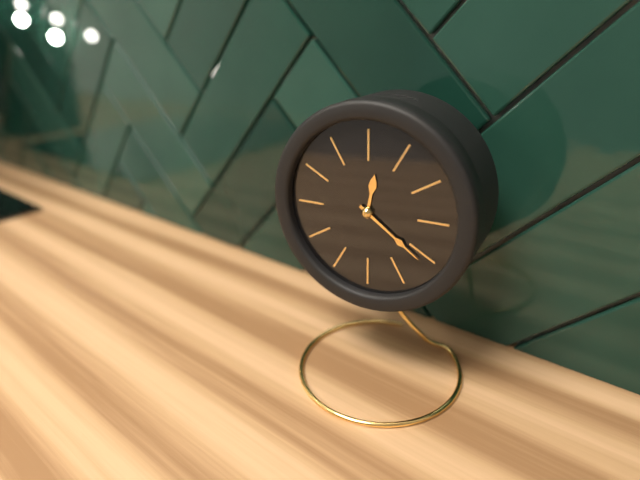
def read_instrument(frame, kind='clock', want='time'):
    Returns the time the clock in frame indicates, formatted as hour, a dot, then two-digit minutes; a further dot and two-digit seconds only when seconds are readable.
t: 12.21
